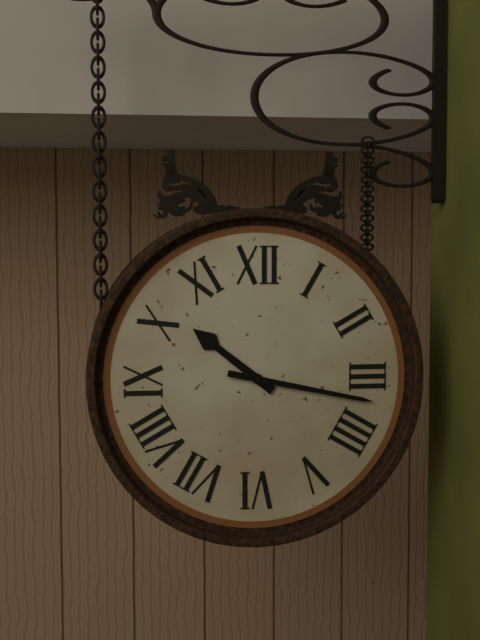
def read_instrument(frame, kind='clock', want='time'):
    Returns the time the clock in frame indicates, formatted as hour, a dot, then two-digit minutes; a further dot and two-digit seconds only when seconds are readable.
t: 10.17
